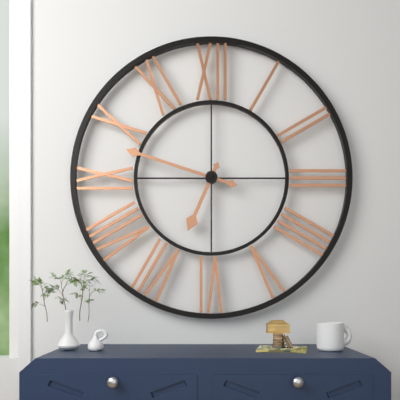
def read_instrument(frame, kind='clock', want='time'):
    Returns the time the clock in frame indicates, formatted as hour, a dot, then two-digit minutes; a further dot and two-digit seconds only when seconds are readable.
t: 6.48
